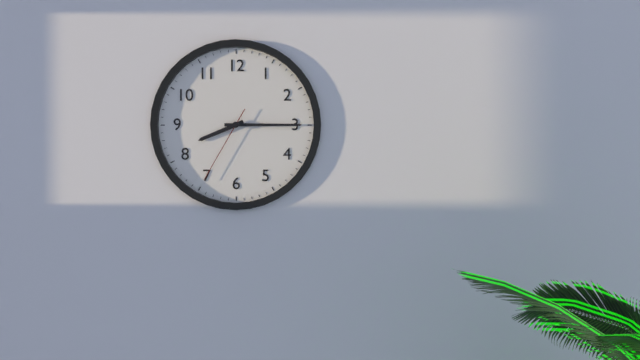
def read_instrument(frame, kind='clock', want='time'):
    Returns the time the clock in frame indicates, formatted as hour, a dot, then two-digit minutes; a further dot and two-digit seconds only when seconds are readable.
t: 8.15.35
